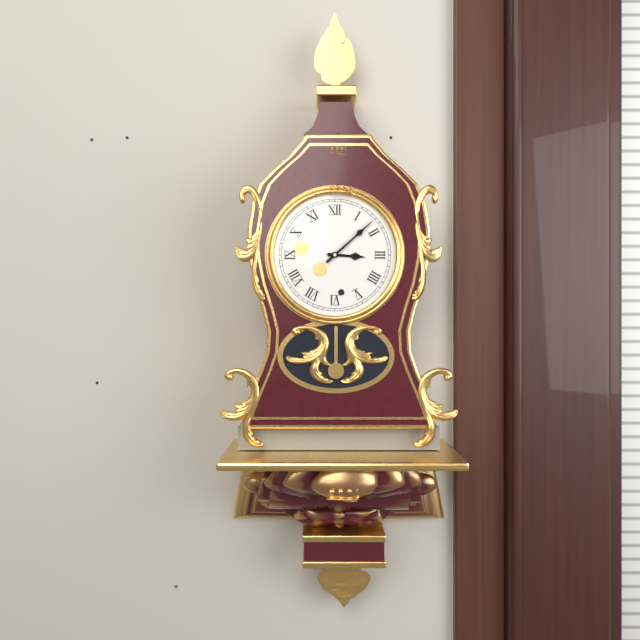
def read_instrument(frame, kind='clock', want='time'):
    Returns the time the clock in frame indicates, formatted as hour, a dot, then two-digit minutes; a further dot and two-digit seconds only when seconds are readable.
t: 3.08
